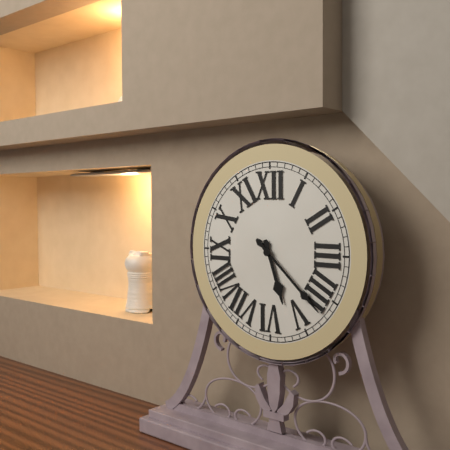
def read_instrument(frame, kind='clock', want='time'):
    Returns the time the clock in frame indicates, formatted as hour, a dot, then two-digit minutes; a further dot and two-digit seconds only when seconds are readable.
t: 5.22
